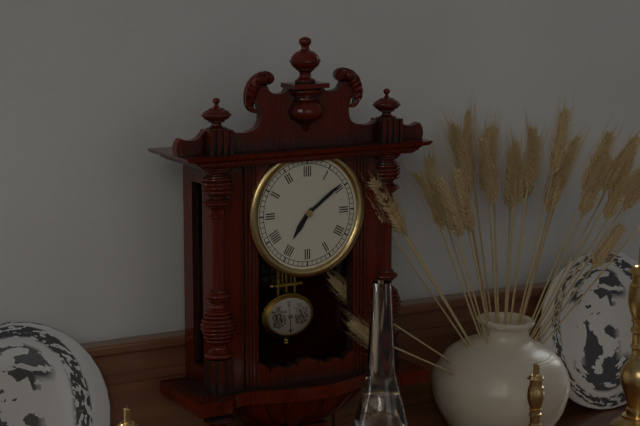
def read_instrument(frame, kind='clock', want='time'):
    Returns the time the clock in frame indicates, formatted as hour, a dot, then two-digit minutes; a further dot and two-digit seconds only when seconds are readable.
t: 7.09
